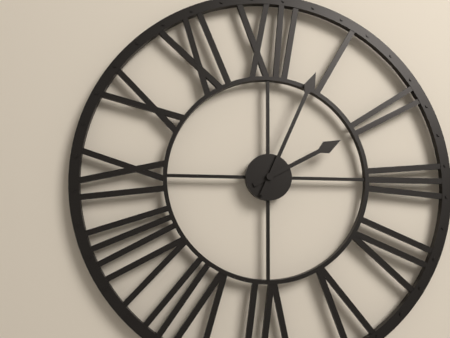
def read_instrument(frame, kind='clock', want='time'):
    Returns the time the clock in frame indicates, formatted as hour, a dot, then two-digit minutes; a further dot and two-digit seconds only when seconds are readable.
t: 2.04
